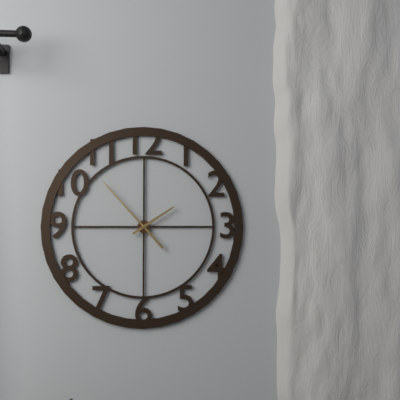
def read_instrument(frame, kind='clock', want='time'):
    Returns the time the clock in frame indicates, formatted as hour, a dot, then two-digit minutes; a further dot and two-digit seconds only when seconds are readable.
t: 1.53
